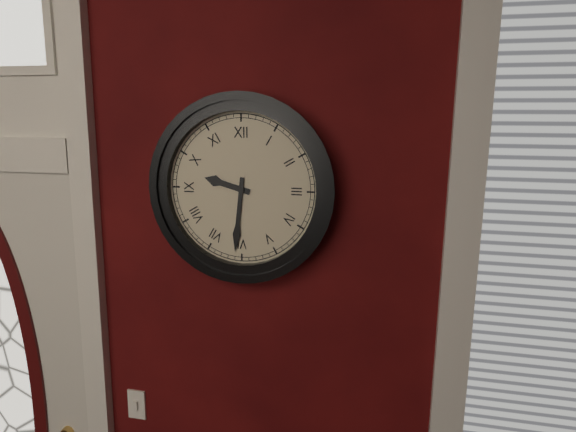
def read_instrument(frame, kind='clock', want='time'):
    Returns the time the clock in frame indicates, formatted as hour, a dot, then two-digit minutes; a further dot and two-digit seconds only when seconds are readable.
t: 9.31
